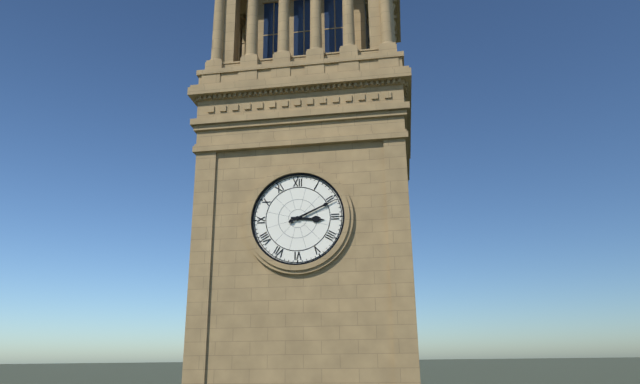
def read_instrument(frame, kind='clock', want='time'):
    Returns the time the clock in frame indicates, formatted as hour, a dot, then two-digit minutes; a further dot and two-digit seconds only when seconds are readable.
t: 3.11
